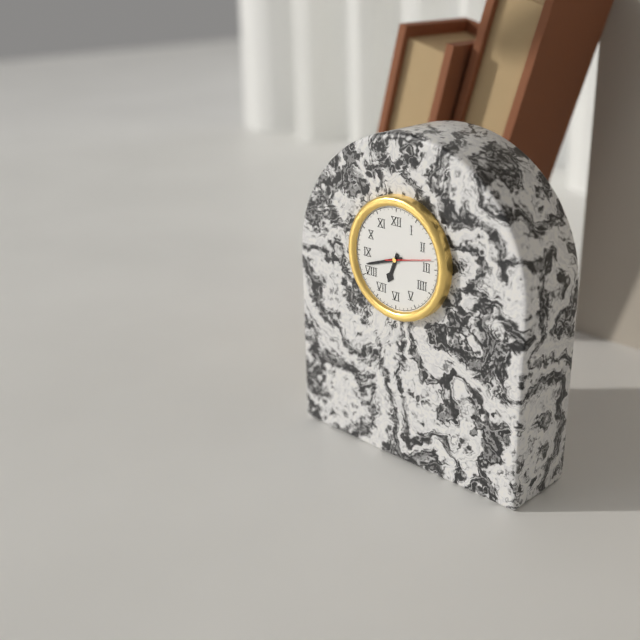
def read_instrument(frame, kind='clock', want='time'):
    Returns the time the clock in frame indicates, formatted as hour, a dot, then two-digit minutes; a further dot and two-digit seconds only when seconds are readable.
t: 6.42
